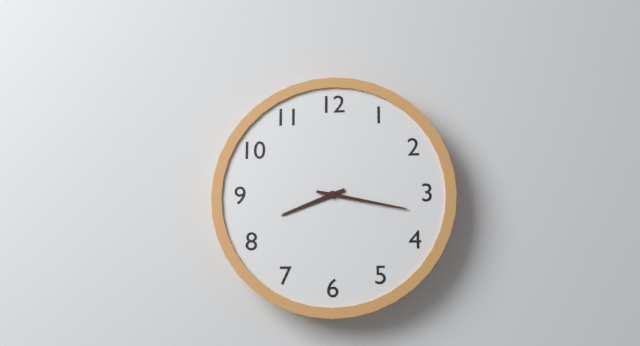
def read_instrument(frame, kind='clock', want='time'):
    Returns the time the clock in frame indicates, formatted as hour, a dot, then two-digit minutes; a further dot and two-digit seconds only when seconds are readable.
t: 8.17
